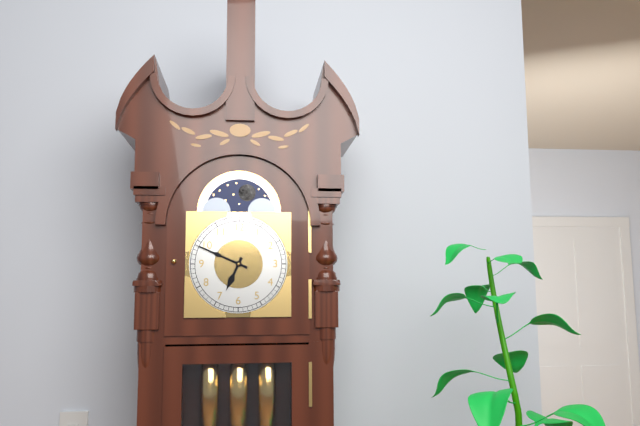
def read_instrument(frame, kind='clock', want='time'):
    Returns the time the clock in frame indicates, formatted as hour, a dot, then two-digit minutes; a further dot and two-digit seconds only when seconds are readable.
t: 6.49
